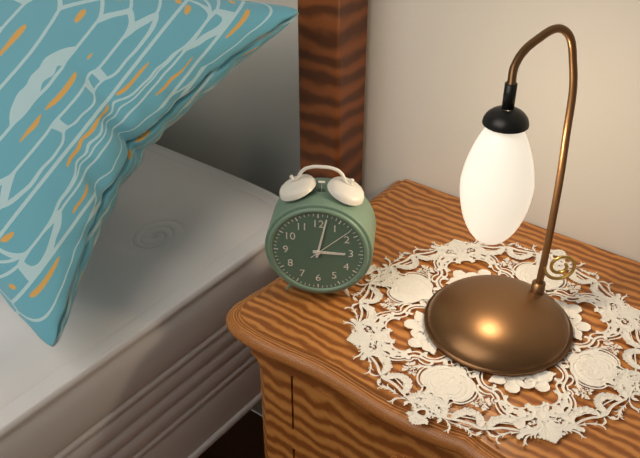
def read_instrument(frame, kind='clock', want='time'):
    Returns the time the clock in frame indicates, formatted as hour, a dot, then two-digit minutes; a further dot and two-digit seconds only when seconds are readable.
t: 3.02
